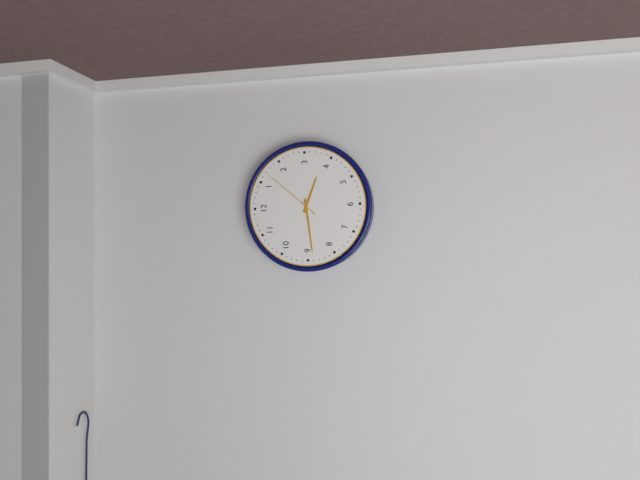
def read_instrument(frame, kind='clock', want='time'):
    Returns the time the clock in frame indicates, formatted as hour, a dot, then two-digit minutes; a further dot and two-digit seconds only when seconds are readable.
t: 3.44.07
